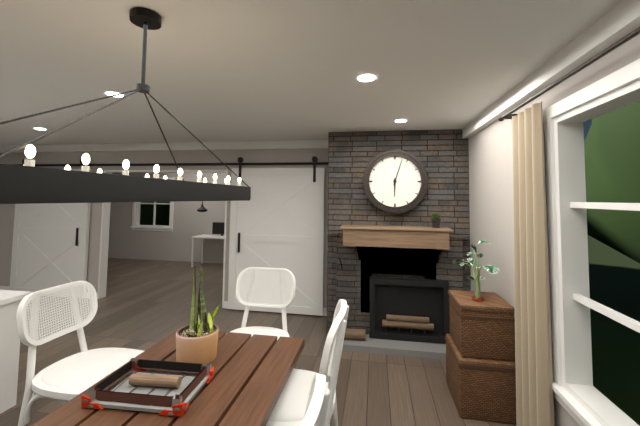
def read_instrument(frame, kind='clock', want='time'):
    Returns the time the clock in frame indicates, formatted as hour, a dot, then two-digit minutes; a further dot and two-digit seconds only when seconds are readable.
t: 6.03
